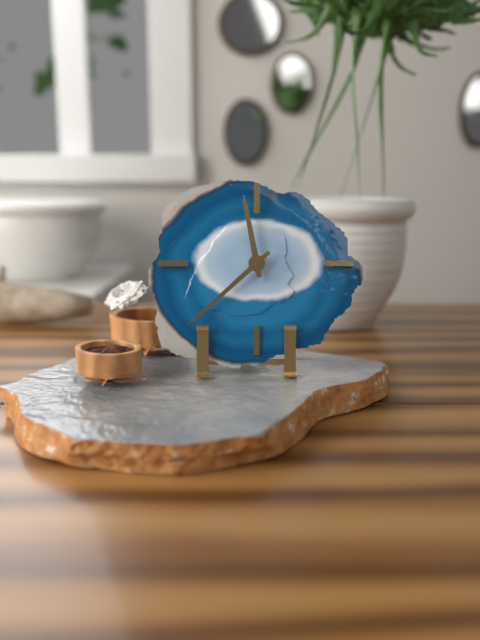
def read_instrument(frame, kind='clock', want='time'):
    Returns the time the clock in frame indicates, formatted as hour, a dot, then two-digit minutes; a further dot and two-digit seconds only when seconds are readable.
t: 11.38
